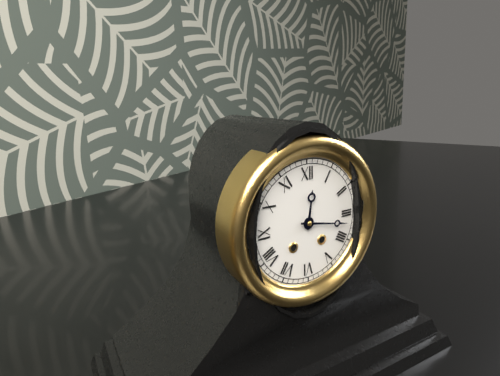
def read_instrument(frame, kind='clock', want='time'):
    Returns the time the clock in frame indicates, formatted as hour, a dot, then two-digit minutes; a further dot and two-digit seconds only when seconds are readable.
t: 12.17
